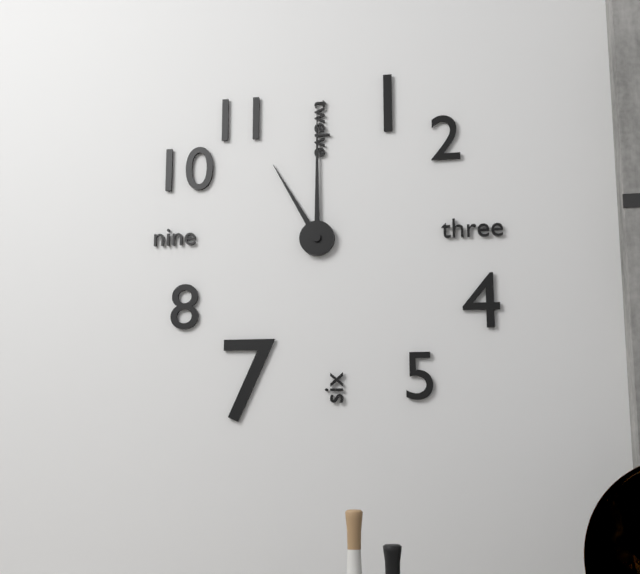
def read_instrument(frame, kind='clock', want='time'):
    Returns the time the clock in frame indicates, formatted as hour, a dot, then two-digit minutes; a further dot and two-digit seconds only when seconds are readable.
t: 11.00
